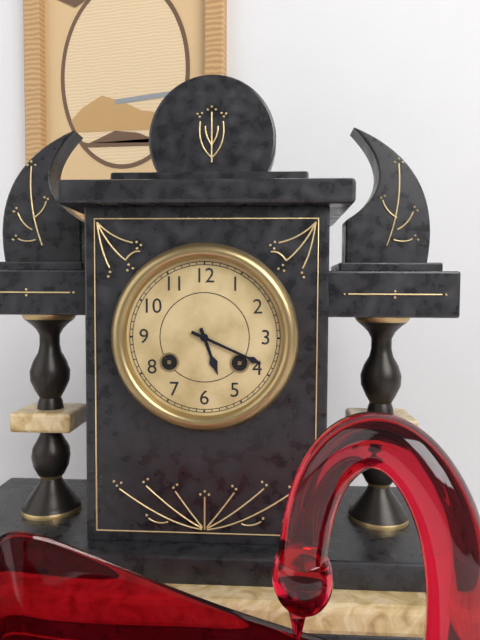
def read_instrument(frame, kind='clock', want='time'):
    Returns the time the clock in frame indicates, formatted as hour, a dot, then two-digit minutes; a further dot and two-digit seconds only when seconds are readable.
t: 5.19
